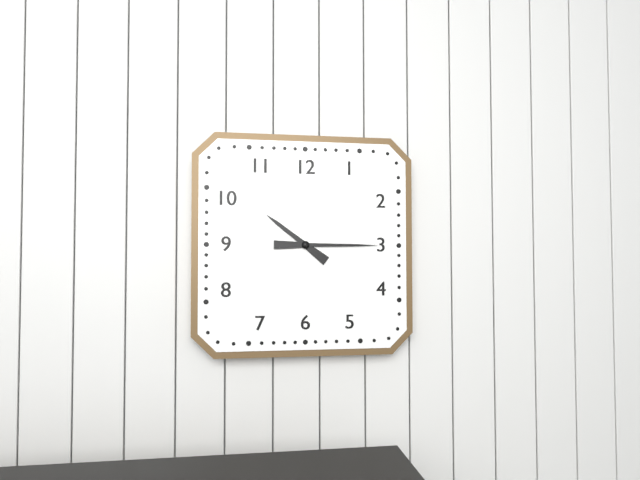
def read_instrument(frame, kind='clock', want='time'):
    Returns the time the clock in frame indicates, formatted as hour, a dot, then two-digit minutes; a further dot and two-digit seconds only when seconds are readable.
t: 10.15
